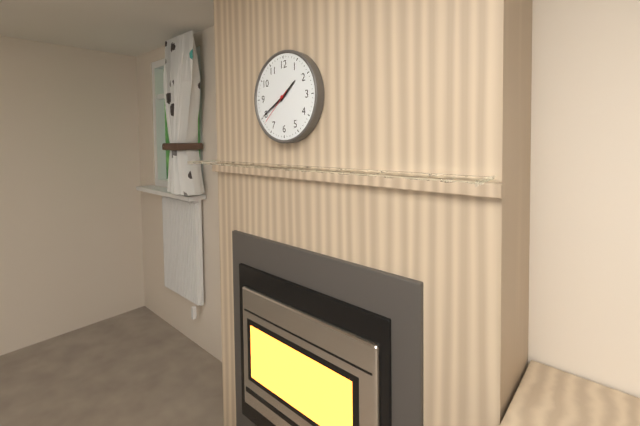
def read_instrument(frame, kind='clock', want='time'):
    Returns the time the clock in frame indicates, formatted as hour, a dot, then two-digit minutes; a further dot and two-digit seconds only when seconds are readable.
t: 1.40
